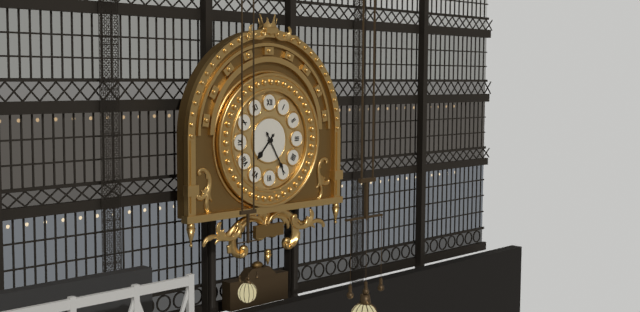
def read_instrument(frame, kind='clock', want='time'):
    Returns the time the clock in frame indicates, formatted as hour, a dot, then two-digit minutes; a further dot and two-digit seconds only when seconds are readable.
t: 7.25
